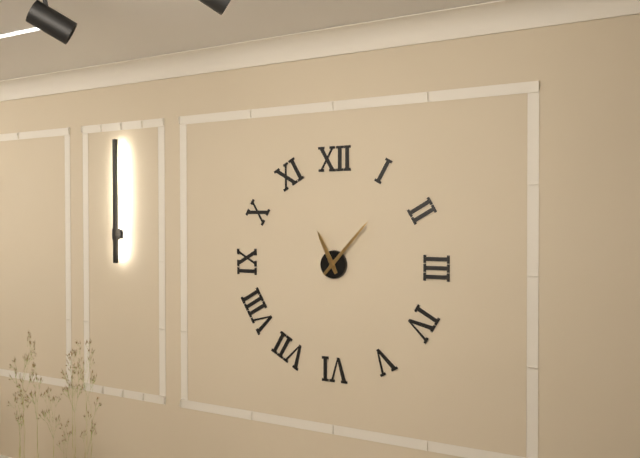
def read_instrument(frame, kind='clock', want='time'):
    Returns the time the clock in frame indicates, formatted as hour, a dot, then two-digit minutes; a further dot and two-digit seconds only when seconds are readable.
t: 11.07
